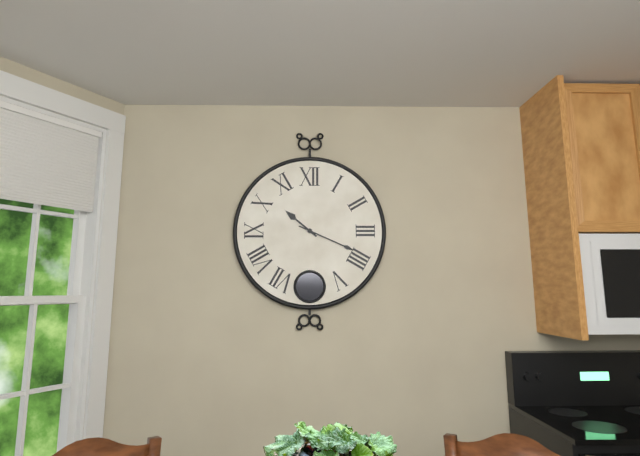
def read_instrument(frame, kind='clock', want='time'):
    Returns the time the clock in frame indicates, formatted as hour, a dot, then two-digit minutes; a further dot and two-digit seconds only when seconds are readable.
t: 10.19
